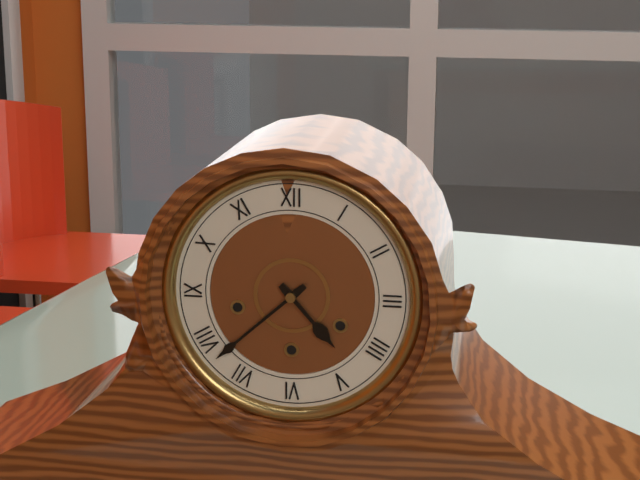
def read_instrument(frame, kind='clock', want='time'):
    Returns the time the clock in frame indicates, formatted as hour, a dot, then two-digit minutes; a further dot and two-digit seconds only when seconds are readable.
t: 4.38
